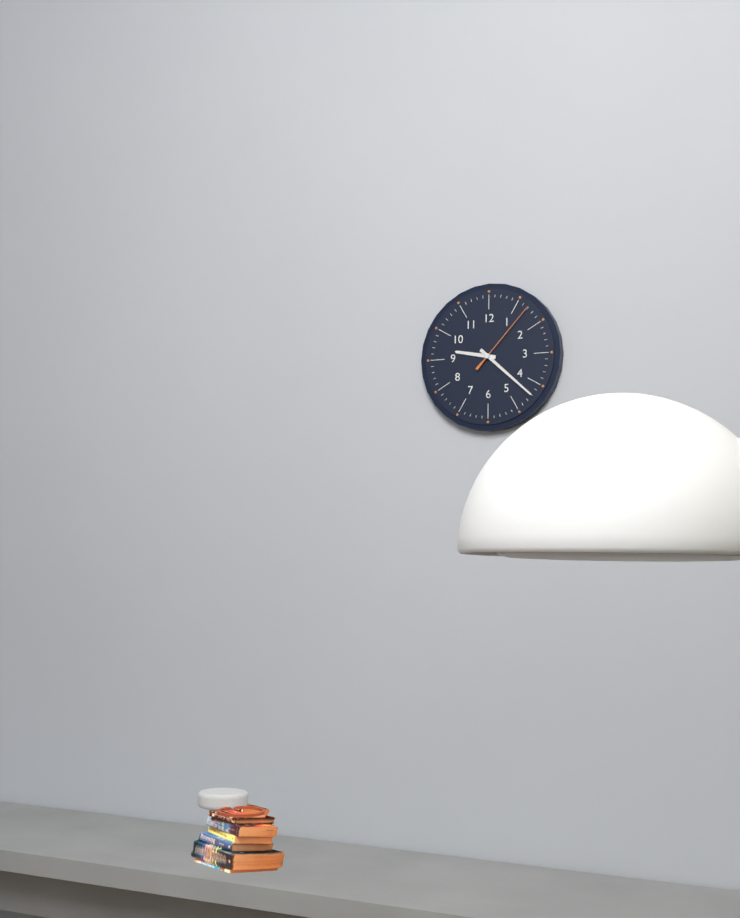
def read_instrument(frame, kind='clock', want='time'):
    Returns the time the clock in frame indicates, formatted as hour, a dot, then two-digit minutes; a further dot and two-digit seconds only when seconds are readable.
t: 9.22.07
